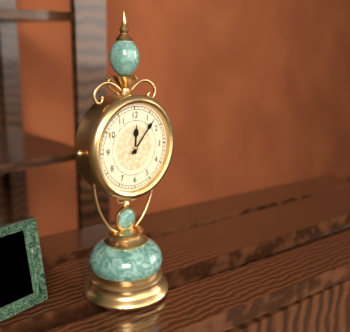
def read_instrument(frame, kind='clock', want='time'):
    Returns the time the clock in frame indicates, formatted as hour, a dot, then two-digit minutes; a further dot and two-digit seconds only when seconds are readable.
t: 12.07
